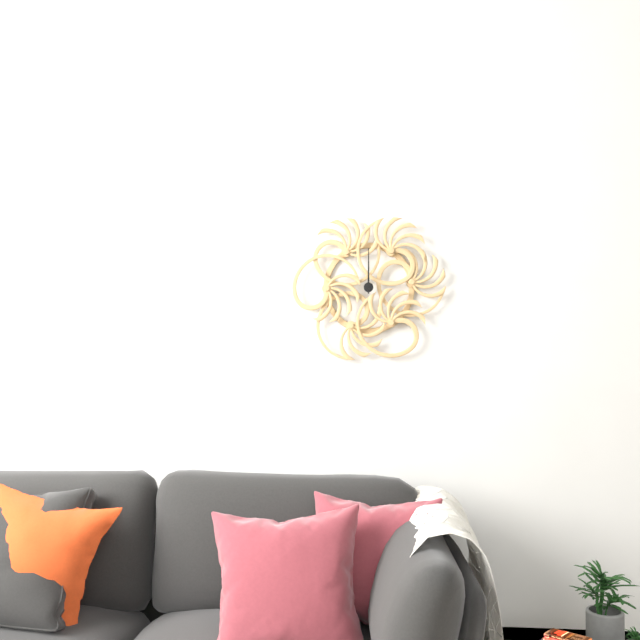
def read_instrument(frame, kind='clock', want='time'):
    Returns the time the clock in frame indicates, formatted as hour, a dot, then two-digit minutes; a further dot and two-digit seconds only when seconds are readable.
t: 12.00
